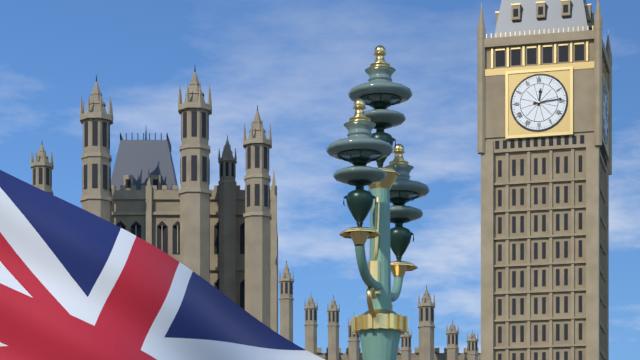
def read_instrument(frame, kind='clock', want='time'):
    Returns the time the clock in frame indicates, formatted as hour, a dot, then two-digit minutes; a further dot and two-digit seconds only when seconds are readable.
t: 12.14
